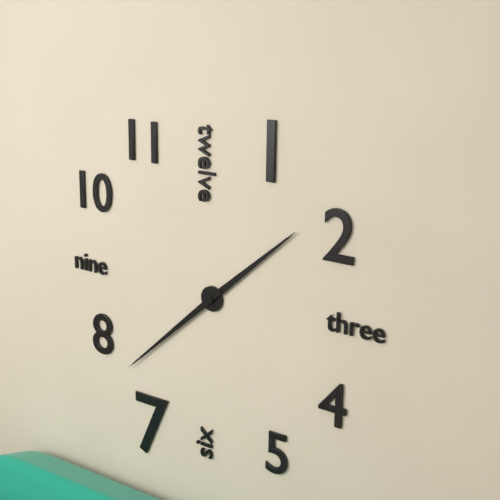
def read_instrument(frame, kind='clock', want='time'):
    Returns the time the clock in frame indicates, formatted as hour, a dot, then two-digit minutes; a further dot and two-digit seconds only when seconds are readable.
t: 1.38
